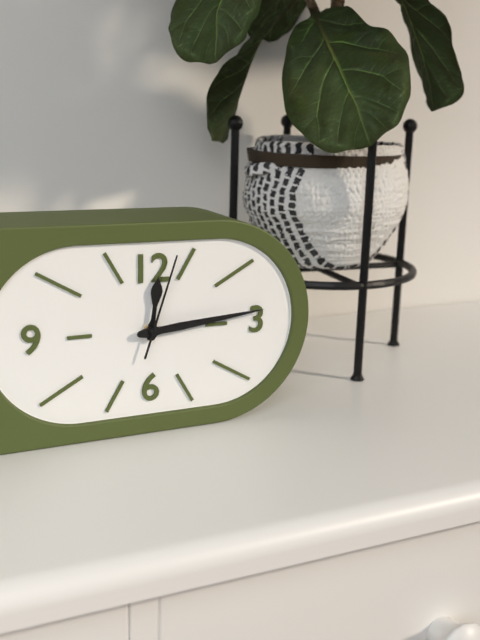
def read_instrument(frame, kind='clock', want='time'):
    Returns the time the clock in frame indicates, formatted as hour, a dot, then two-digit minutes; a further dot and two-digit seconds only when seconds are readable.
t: 12.14.03
